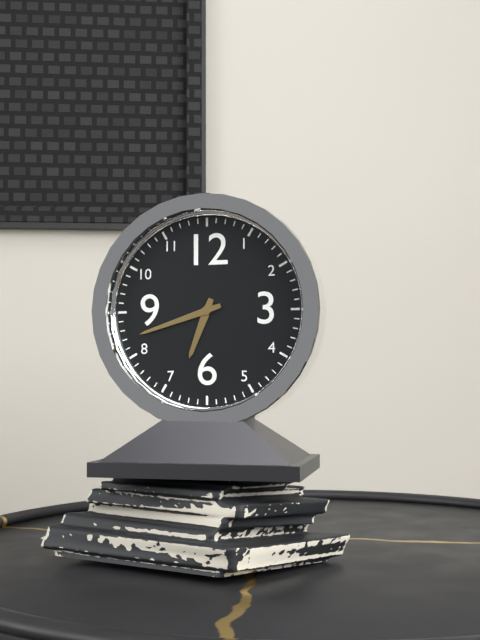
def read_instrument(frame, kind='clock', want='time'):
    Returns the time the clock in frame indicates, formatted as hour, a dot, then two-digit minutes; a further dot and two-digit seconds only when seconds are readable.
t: 6.42
